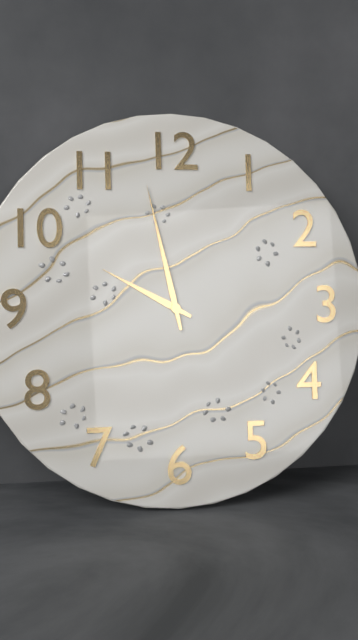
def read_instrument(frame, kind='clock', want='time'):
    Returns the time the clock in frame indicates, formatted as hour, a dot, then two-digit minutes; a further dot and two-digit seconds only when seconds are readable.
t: 9.58
